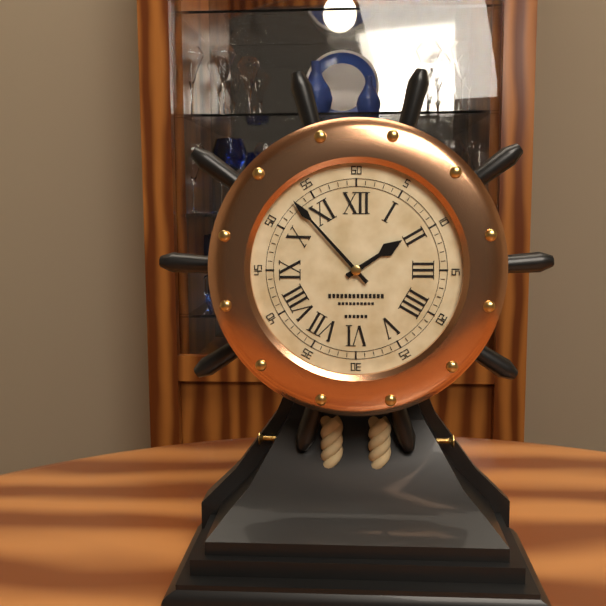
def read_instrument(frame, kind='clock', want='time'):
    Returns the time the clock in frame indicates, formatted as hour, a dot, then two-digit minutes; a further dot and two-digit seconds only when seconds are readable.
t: 1.53
